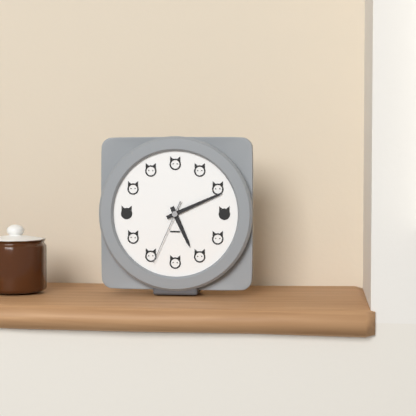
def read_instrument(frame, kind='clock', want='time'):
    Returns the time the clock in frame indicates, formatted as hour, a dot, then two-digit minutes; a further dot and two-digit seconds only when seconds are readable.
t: 5.11.34
